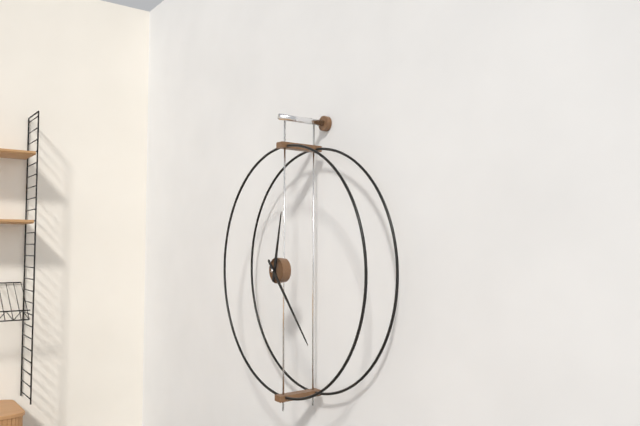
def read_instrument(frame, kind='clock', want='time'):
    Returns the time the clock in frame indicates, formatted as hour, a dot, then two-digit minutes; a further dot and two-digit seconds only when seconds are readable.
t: 12.23
